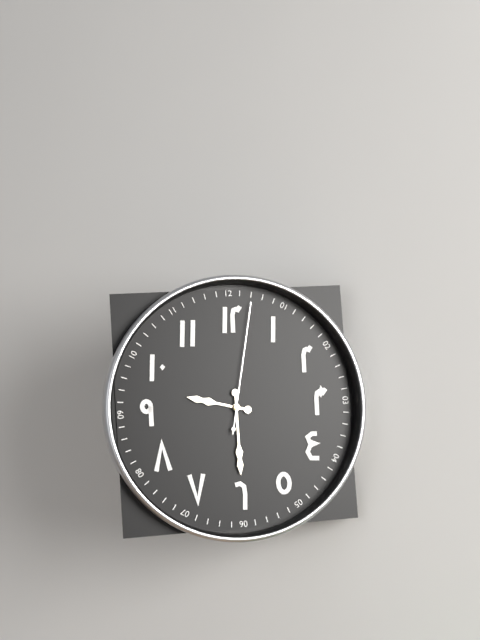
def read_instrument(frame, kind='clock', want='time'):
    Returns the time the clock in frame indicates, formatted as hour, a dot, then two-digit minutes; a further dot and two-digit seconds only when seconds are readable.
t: 9.30.02
